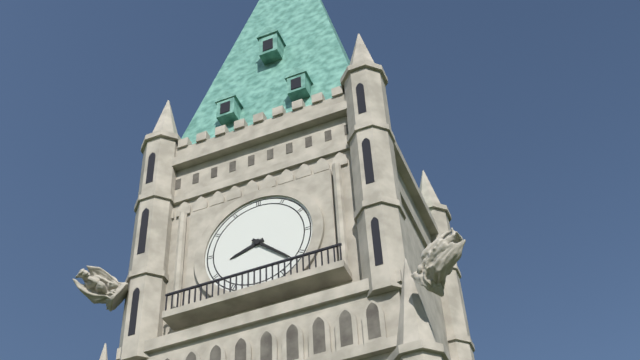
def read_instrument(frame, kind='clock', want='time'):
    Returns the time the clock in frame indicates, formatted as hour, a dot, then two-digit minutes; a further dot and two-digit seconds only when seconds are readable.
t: 8.22
